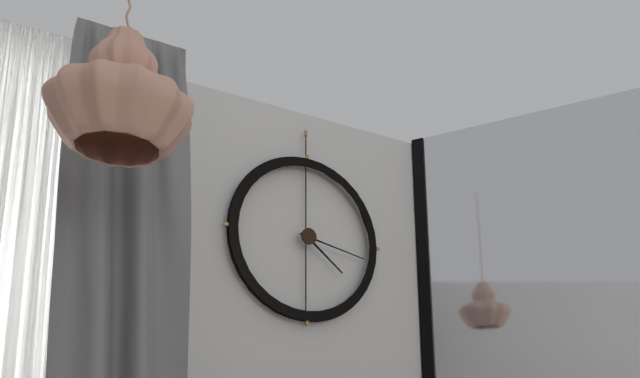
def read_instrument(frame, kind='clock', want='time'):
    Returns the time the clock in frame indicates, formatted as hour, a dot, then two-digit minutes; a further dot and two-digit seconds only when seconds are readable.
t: 4.17
